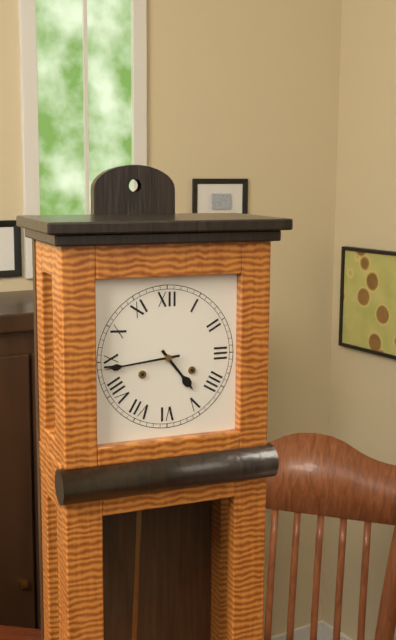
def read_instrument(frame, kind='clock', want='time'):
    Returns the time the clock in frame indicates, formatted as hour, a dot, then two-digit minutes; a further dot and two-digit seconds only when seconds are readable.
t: 4.44
